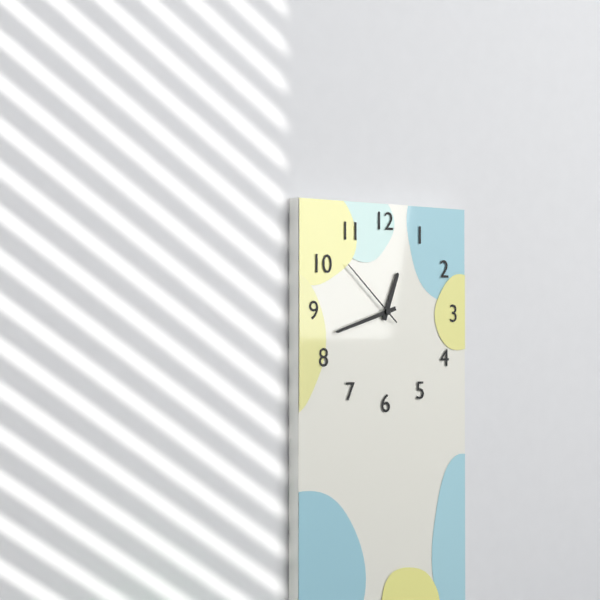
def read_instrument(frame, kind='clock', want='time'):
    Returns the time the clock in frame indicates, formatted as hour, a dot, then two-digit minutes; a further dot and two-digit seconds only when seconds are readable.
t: 12.42.52
